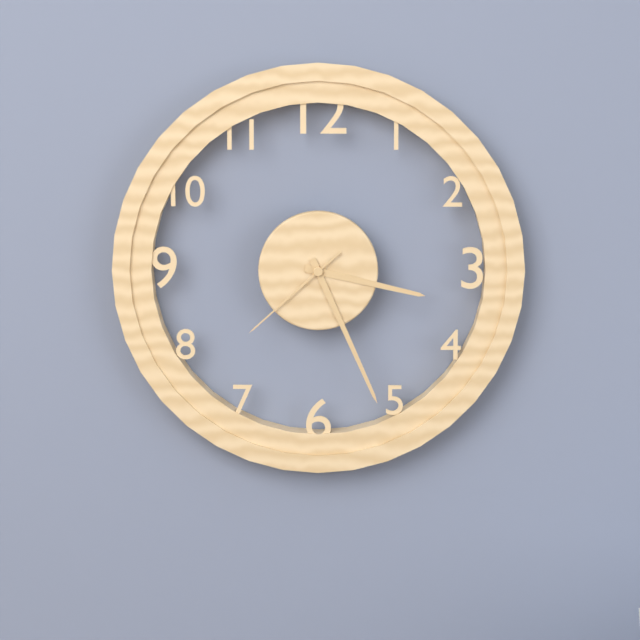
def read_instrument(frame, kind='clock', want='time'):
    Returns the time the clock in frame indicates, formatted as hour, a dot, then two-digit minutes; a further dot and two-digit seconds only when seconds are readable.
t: 3.26.38
